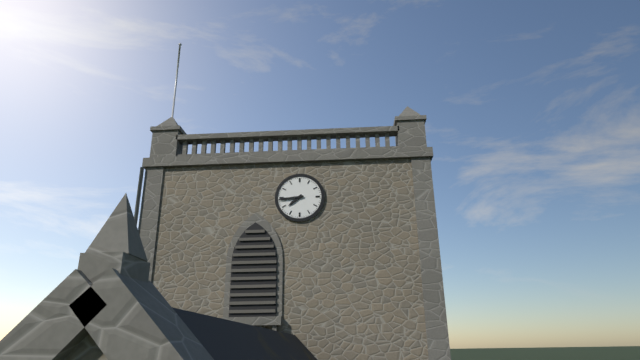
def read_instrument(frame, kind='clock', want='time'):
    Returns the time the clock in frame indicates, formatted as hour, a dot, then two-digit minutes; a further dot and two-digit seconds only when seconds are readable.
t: 7.44
